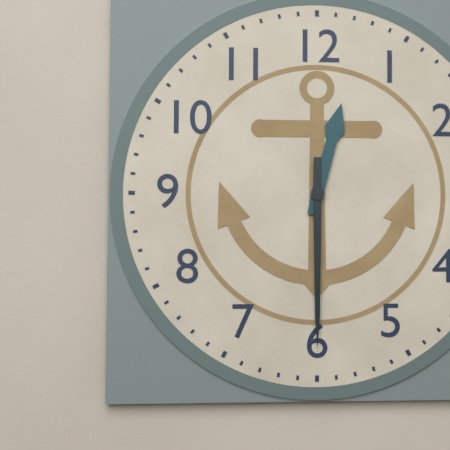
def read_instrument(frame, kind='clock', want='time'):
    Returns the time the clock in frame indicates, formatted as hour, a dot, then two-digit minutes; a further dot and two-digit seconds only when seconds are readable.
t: 12.30
